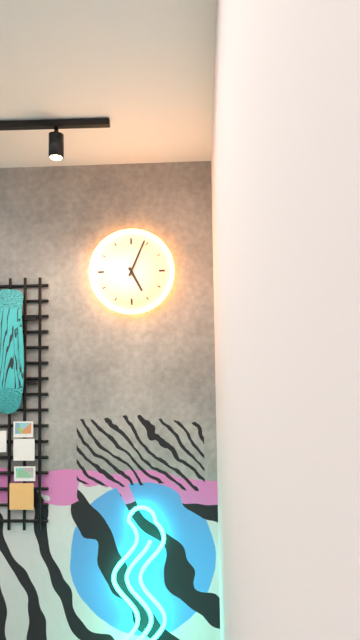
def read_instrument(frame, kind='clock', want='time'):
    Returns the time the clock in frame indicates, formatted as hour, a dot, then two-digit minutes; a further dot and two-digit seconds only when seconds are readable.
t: 5.04
